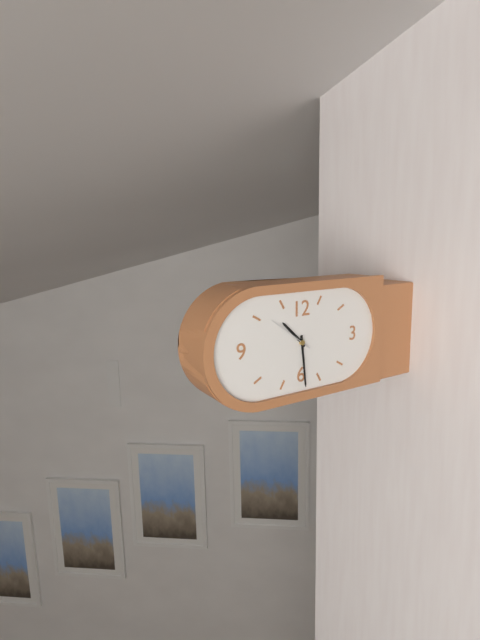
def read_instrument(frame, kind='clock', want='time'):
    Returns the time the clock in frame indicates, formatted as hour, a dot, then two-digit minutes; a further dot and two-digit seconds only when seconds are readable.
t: 10.29
